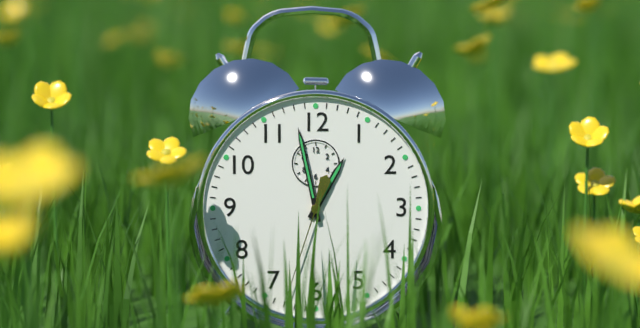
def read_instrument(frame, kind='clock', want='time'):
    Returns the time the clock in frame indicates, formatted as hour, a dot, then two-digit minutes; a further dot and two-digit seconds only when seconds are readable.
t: 12.58.33
